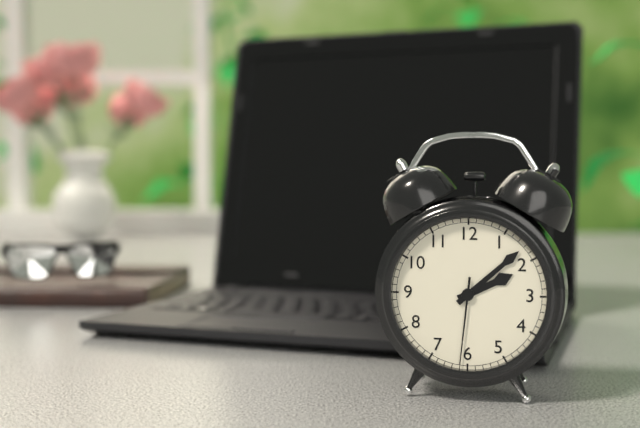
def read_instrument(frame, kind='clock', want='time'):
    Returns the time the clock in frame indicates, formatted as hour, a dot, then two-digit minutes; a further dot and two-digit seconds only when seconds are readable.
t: 2.08.31
